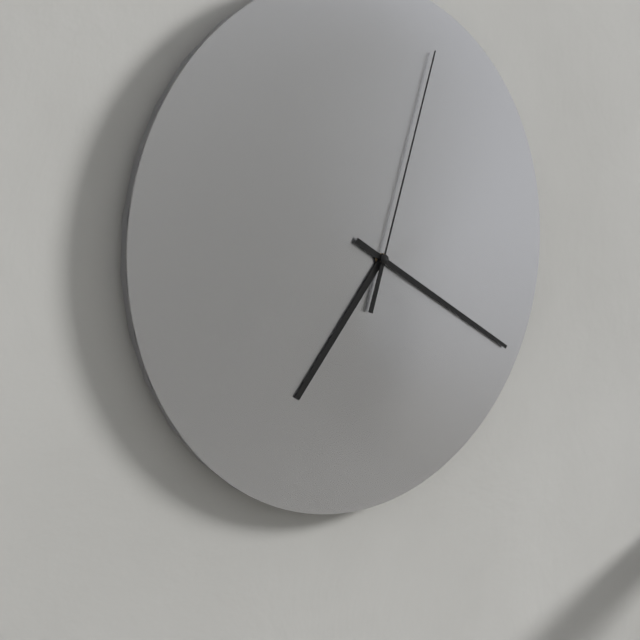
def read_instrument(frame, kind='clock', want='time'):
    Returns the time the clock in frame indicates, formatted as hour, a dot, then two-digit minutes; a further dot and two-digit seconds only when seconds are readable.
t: 7.20.03
